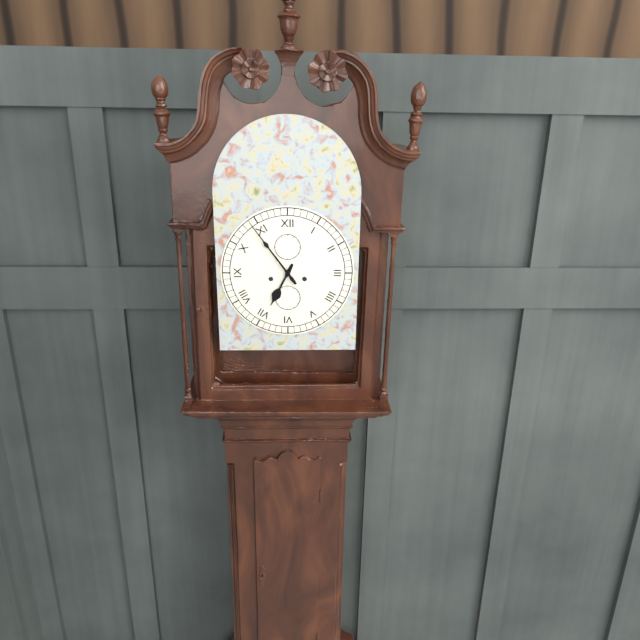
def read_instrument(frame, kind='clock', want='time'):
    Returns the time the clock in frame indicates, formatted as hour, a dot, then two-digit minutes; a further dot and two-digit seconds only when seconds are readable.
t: 6.54
